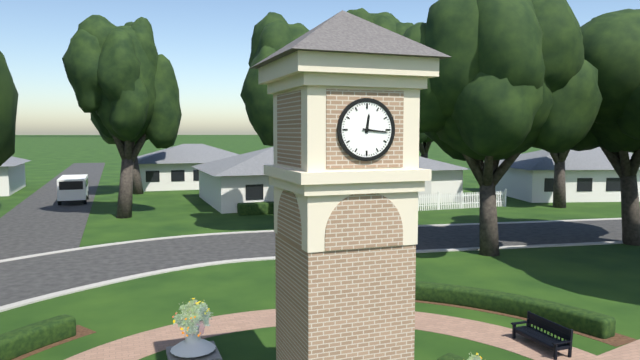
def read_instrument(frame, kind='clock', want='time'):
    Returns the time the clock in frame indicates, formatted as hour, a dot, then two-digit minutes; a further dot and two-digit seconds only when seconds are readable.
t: 12.16
